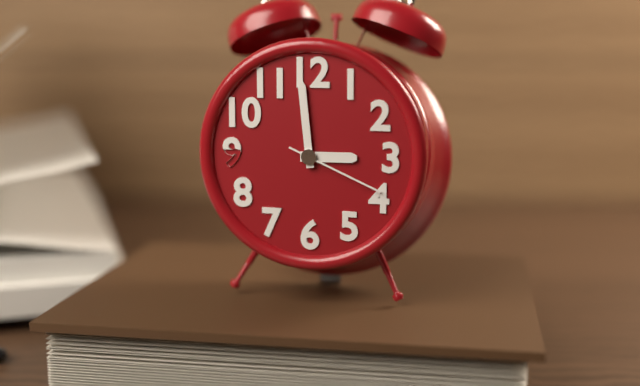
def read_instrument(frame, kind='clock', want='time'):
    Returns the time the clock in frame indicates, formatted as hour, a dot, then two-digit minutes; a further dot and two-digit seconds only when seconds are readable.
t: 2.59.19
